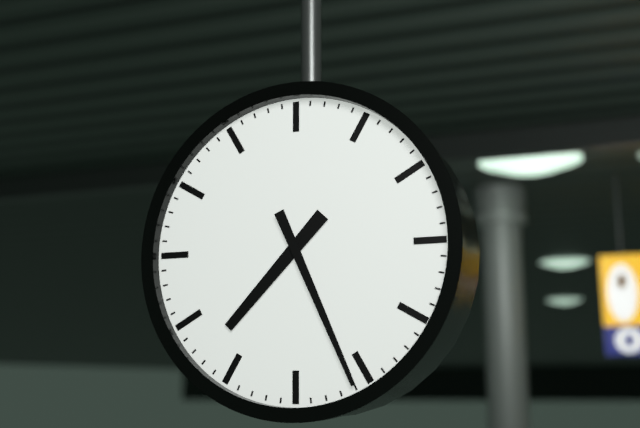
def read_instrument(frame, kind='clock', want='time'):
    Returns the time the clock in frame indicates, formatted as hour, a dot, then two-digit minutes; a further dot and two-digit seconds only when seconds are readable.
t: 7.26
